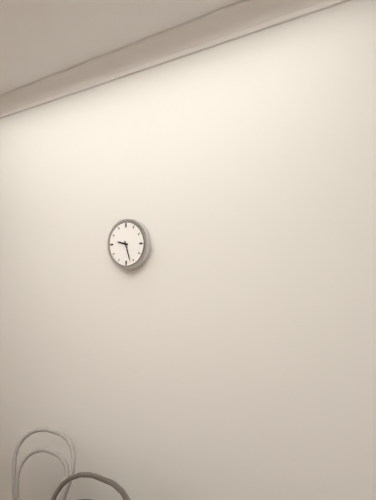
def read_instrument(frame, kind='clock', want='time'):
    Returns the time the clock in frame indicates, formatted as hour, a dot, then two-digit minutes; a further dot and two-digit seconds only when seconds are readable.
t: 9.27
